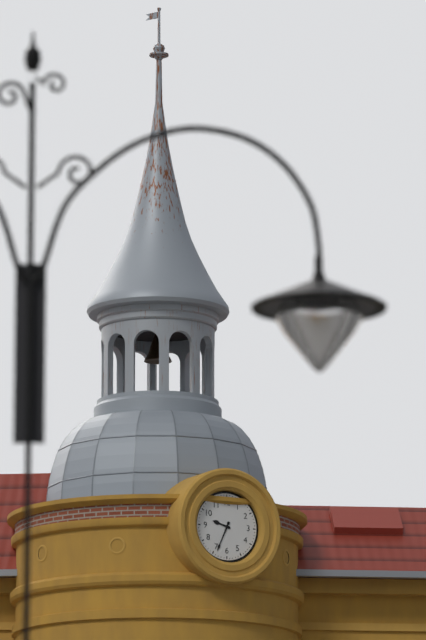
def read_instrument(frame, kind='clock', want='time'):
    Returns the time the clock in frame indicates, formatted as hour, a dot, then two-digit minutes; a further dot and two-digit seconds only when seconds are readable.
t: 9.34
